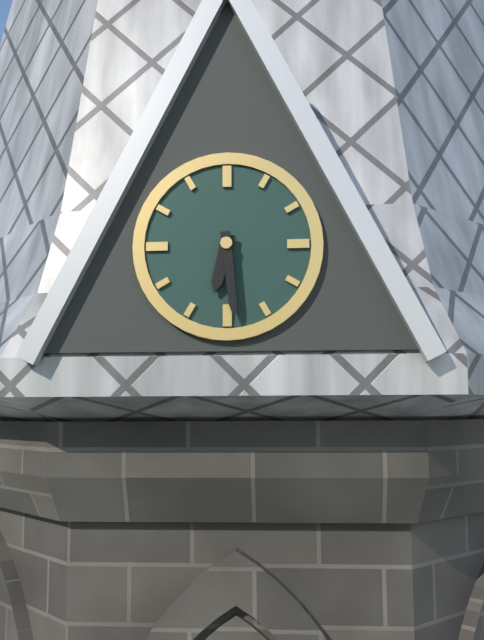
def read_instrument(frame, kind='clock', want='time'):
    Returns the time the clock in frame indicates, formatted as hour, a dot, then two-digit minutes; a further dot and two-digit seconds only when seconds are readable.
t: 6.29
